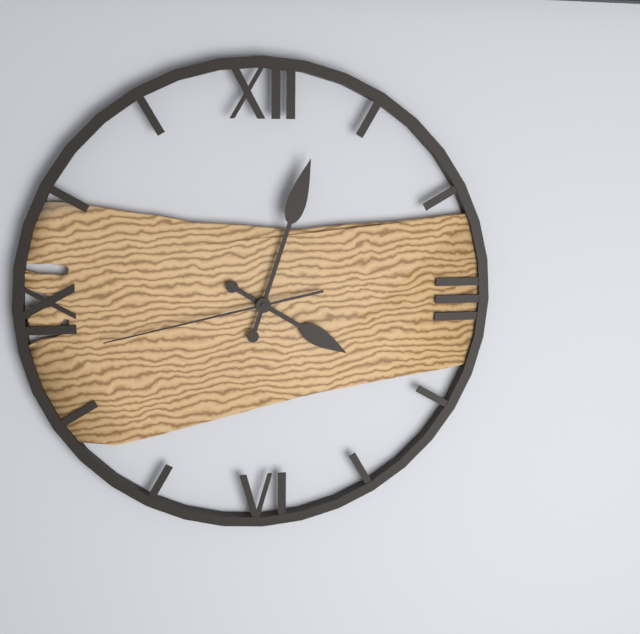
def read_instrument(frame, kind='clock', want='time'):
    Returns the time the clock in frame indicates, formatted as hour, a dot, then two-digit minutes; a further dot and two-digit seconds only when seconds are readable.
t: 4.03.43
